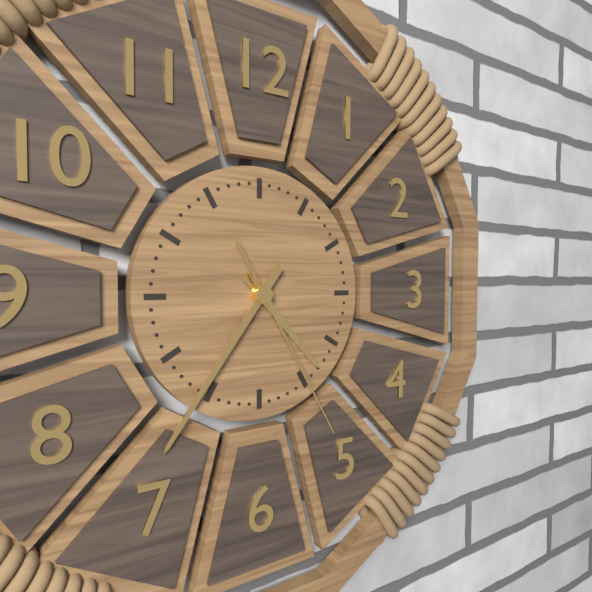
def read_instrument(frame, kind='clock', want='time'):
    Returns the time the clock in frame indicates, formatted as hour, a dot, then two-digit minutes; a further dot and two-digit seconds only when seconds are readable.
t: 4.36.25
